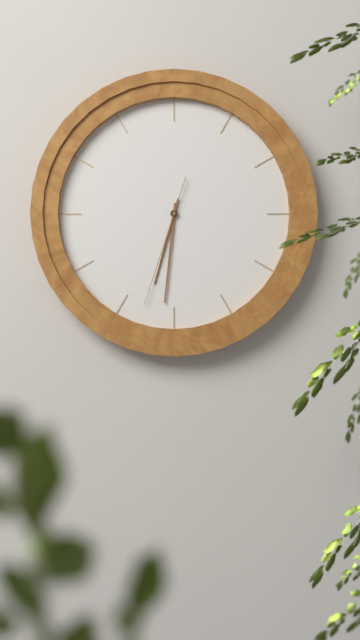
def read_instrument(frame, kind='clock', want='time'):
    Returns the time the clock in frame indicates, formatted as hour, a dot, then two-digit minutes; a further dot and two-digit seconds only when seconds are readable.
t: 6.31.33
